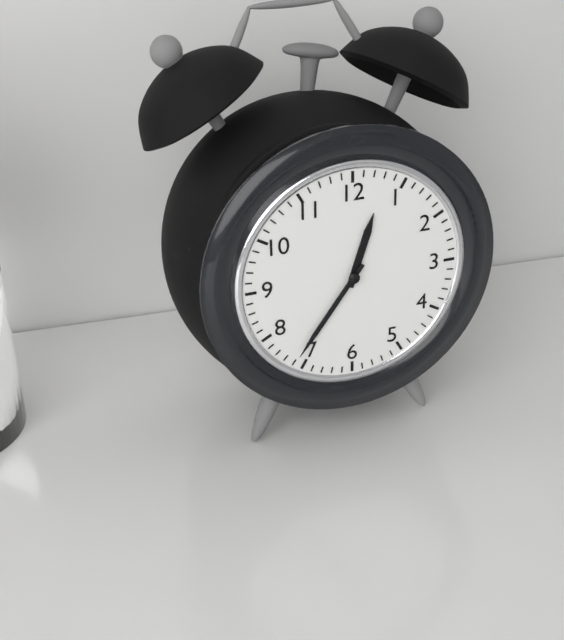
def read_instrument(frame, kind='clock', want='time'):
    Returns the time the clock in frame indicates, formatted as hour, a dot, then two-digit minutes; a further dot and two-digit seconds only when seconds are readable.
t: 12.36
